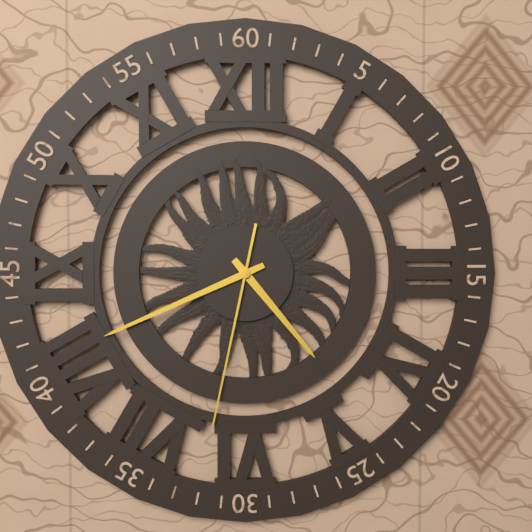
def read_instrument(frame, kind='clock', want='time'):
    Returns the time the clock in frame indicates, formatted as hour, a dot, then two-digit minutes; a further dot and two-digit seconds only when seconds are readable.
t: 4.41.32
